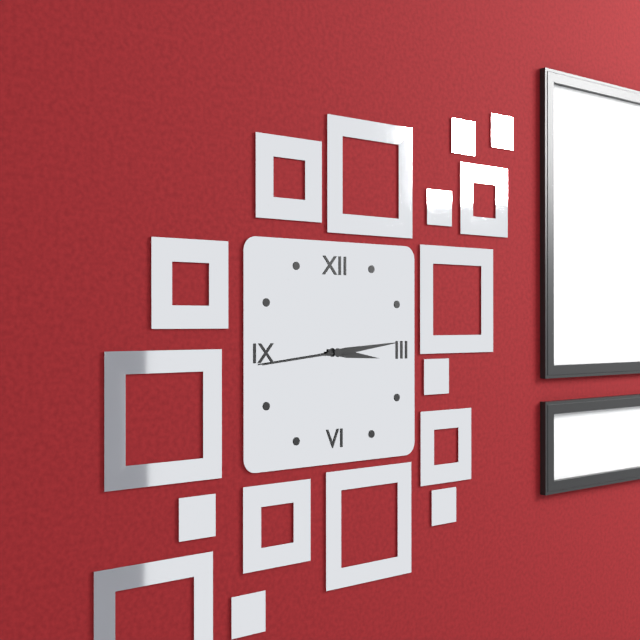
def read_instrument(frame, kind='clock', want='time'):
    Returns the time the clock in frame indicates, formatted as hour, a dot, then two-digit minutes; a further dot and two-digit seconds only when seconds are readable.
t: 3.14.44
